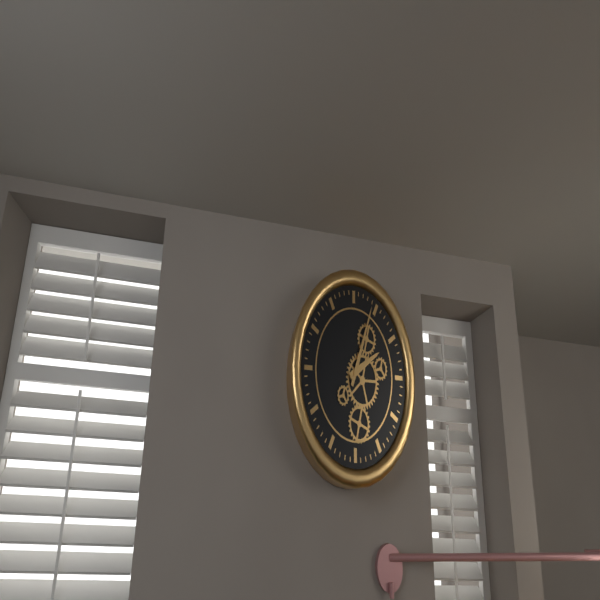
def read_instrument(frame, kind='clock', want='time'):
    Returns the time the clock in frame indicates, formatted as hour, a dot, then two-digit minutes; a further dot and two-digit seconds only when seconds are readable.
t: 2.04
